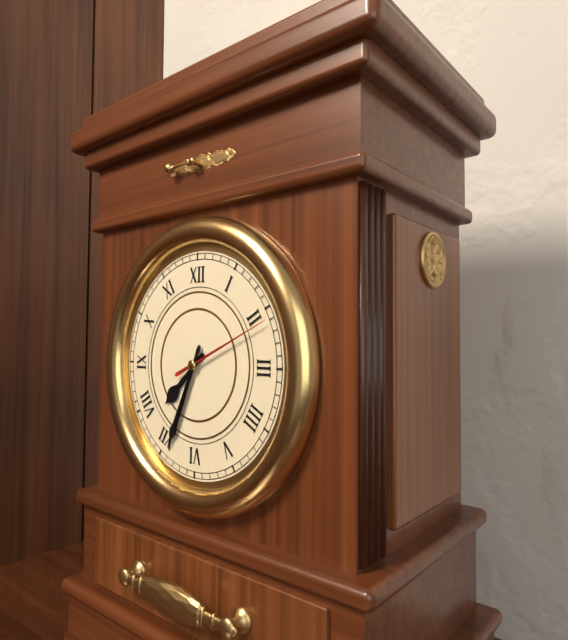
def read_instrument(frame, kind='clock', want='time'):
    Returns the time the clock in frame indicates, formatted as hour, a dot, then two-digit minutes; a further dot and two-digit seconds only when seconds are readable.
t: 7.34.11
